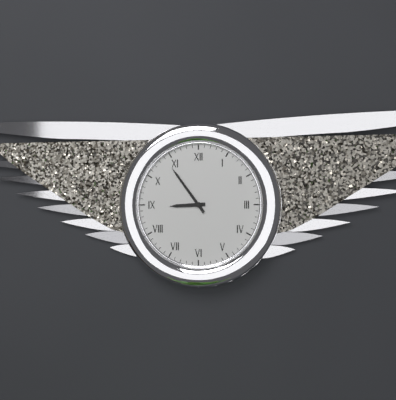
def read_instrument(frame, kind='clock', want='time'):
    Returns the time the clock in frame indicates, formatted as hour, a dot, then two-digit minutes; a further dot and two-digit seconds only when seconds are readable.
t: 8.54
